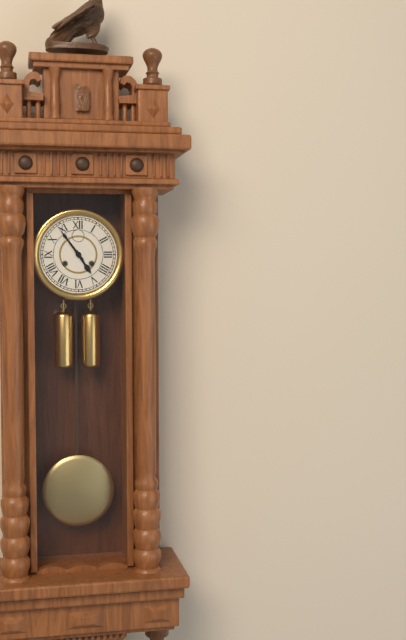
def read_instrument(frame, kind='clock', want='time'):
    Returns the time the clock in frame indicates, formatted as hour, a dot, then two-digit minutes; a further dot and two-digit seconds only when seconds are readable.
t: 4.54
